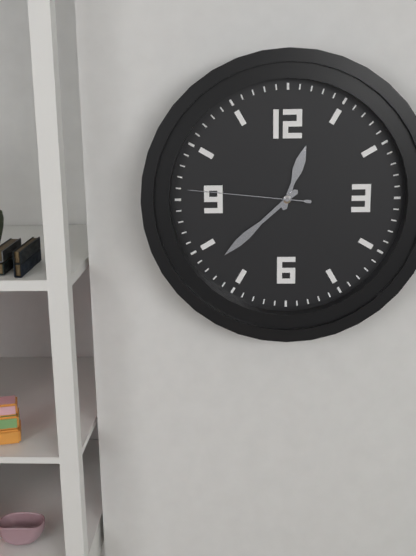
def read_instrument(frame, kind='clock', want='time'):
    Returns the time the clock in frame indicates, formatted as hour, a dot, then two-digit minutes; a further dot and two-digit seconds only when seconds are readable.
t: 12.38.46
